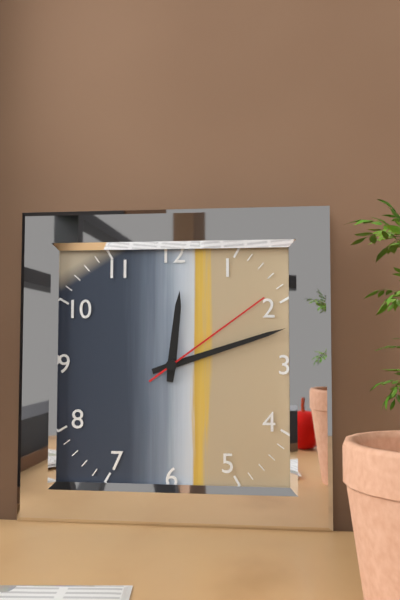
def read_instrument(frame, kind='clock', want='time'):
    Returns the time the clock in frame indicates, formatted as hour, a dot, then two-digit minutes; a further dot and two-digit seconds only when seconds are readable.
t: 12.12.09
